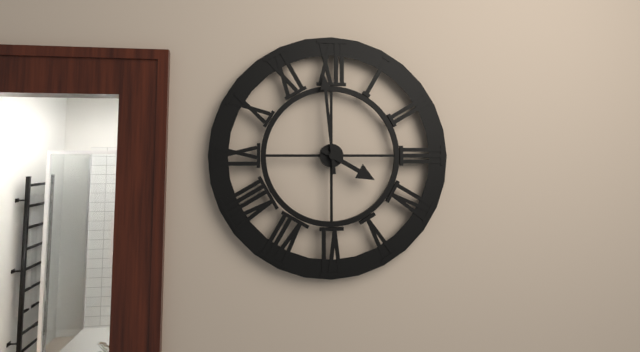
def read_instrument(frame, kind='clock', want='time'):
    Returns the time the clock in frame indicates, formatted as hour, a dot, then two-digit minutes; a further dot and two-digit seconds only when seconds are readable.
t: 3.59
